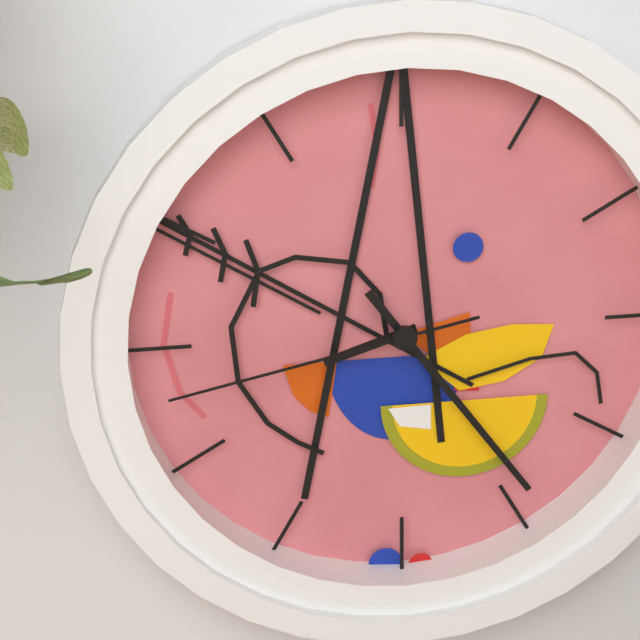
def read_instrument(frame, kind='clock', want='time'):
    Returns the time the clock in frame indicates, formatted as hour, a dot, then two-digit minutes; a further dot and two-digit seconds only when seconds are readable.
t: 8.24.43
